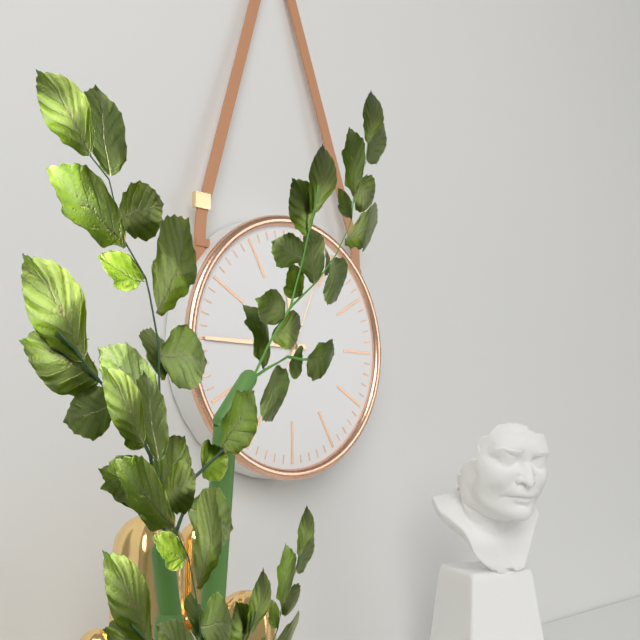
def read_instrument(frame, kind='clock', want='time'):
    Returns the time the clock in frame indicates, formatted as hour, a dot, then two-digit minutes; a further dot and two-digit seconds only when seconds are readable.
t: 11.45.04
